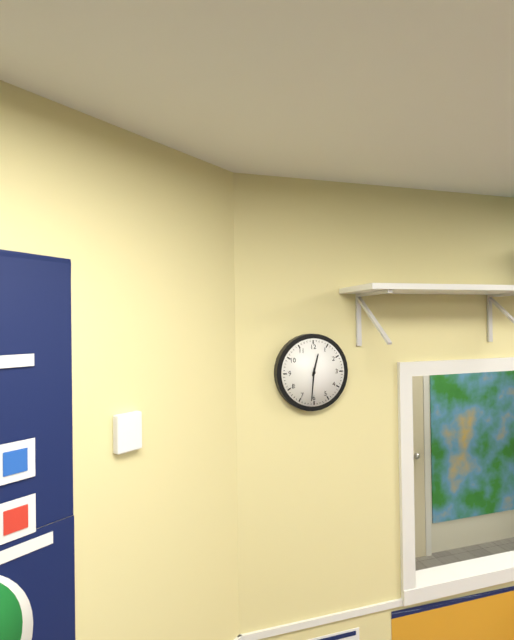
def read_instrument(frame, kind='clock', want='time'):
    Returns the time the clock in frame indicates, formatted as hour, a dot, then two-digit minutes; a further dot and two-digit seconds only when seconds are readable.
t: 12.31
